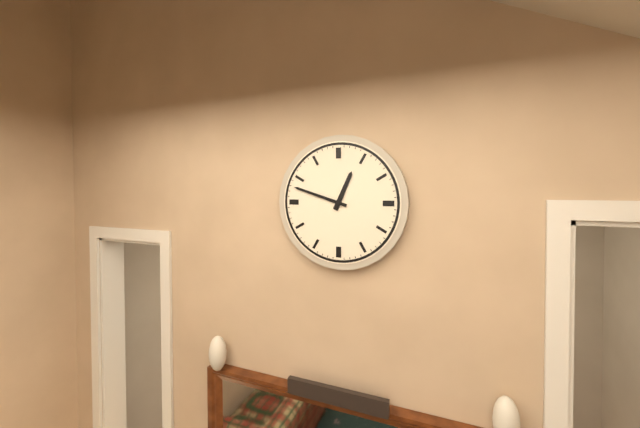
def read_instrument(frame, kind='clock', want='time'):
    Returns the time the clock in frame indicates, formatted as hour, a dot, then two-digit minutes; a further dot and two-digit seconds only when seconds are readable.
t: 12.48
